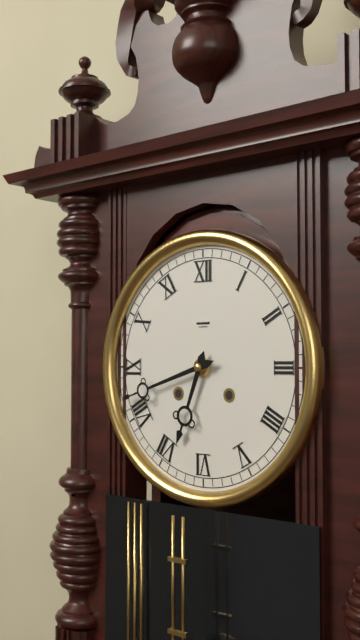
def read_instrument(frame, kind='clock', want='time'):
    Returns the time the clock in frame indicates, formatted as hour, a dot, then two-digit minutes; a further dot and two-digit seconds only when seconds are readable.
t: 6.42
